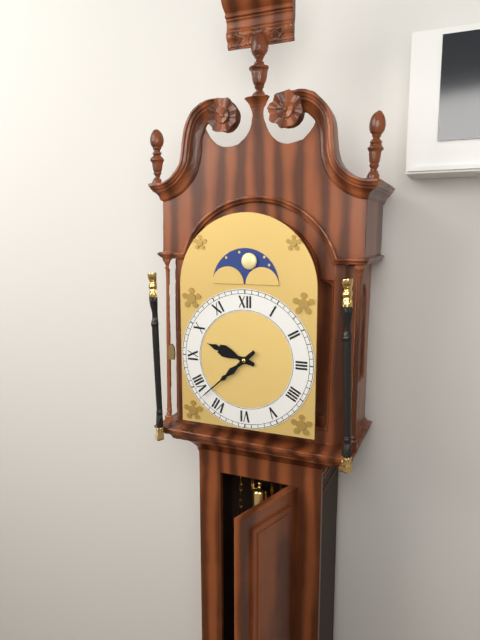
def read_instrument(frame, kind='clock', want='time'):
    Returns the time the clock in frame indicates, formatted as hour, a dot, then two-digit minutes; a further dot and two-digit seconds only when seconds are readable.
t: 9.38
